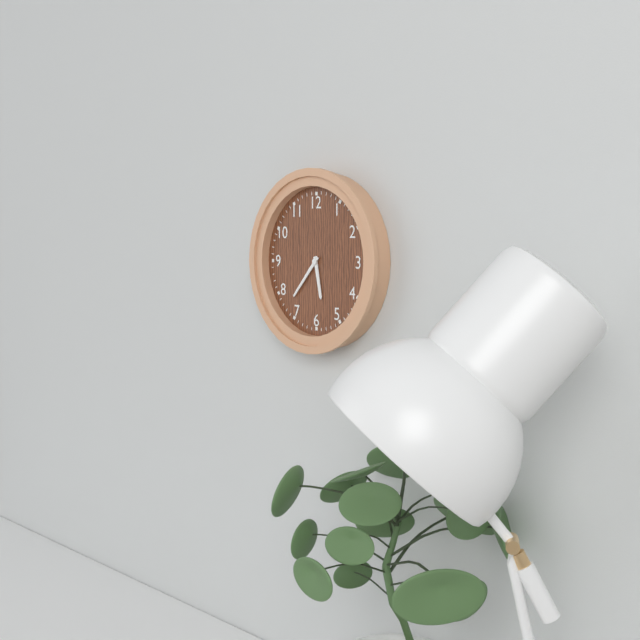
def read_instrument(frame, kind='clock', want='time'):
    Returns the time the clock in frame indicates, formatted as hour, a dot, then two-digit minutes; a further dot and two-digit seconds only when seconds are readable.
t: 5.37
